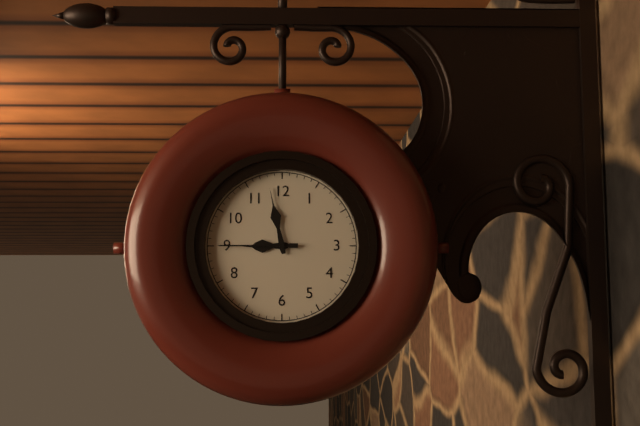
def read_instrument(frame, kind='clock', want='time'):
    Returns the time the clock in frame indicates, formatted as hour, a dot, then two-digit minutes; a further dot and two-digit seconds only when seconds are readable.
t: 8.58.45
